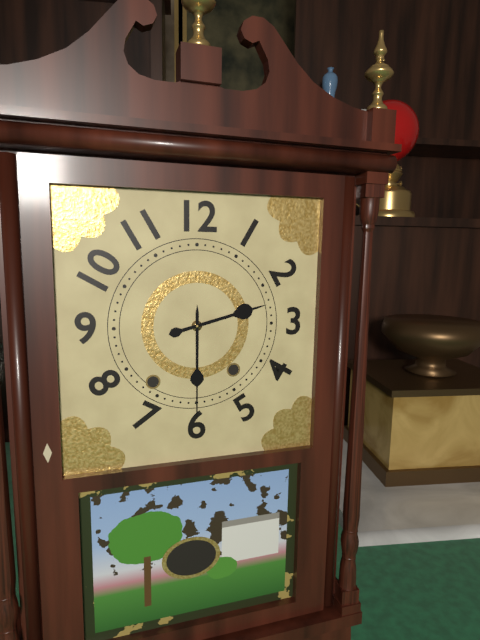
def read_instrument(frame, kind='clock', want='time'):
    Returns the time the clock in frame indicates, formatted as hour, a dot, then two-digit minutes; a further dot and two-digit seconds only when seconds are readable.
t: 2.30
